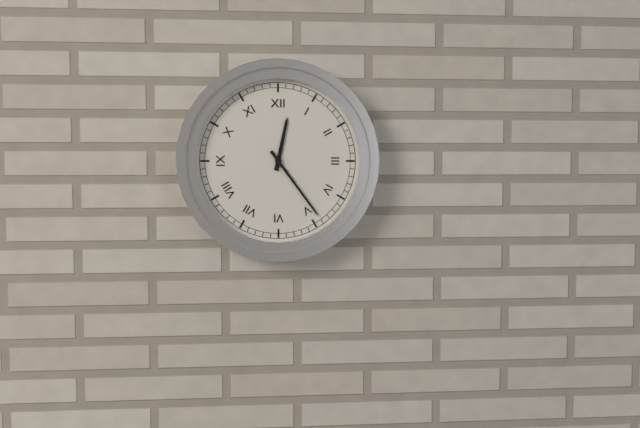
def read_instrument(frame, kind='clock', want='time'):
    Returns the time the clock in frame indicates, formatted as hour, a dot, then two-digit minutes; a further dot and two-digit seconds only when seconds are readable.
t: 12.24
